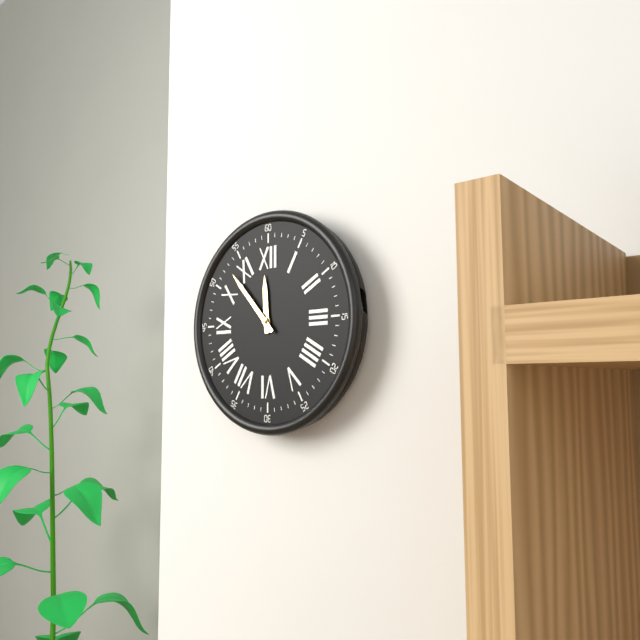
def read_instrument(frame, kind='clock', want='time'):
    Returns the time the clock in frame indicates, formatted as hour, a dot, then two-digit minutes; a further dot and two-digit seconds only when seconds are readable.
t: 11.53
